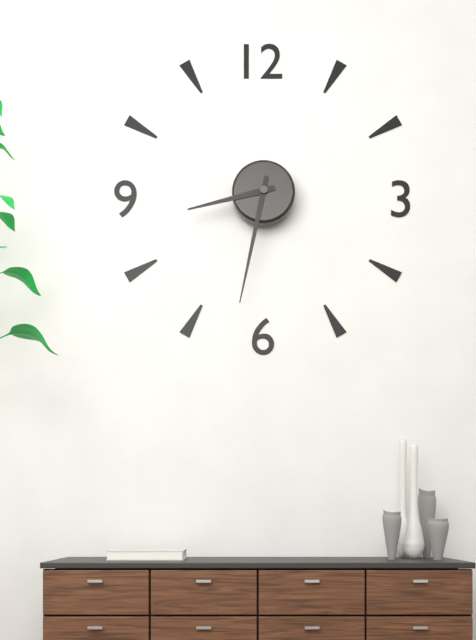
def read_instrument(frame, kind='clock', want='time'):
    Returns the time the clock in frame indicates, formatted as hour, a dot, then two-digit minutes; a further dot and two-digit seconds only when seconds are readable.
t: 8.32
